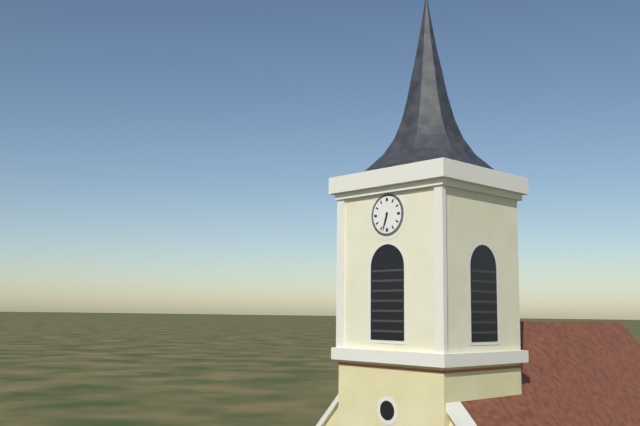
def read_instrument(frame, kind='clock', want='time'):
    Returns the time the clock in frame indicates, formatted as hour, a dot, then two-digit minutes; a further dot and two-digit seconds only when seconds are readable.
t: 6.33
